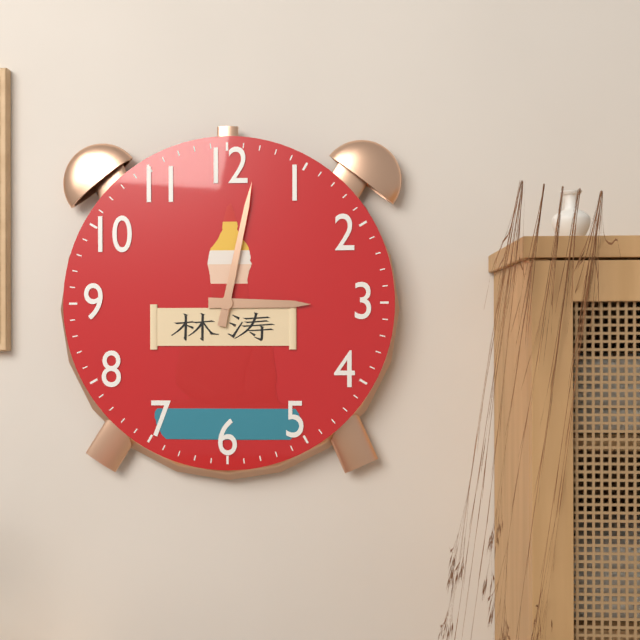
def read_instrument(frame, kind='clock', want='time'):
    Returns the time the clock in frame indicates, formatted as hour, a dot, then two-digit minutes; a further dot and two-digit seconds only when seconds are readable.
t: 3.02
